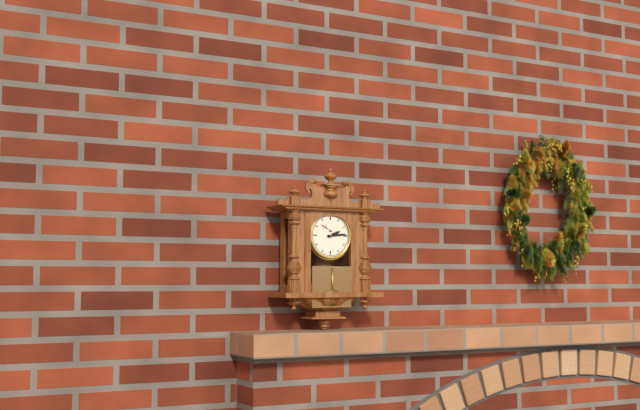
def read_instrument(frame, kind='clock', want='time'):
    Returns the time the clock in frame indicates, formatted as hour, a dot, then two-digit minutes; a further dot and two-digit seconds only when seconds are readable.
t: 2.14
